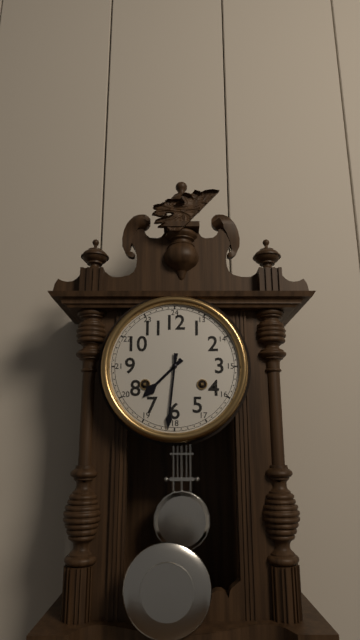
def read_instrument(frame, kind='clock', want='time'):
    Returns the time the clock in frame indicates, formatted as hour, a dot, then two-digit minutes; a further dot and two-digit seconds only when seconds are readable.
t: 7.31
